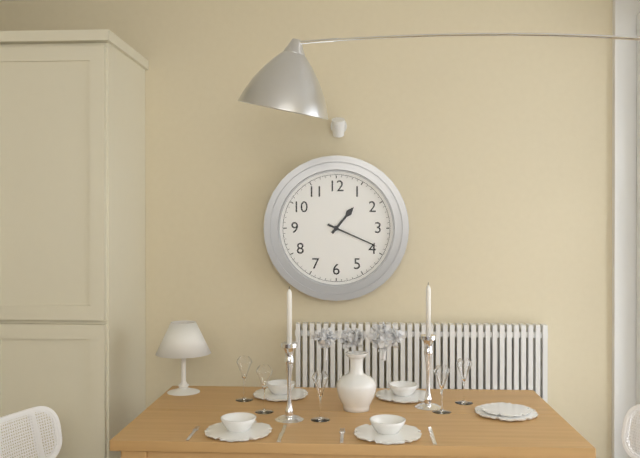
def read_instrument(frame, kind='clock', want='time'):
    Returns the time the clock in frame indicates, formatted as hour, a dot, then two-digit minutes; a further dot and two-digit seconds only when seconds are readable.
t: 1.19
